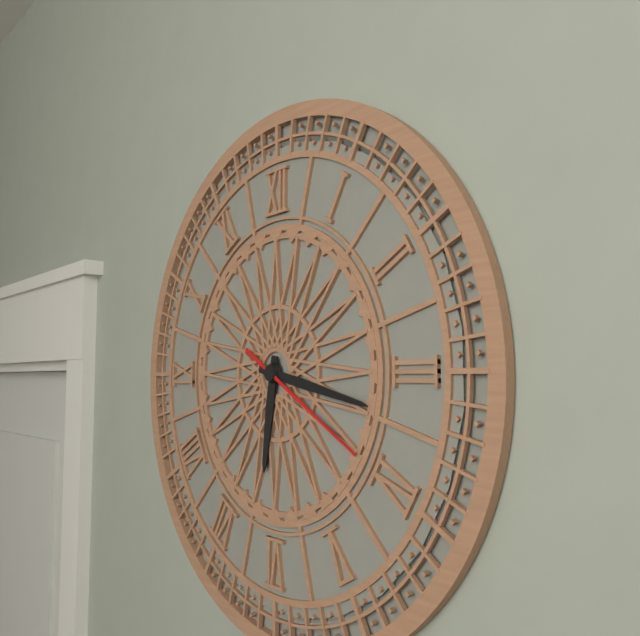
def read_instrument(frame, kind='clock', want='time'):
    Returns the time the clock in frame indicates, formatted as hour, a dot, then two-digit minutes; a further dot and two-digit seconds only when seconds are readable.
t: 6.17.20
